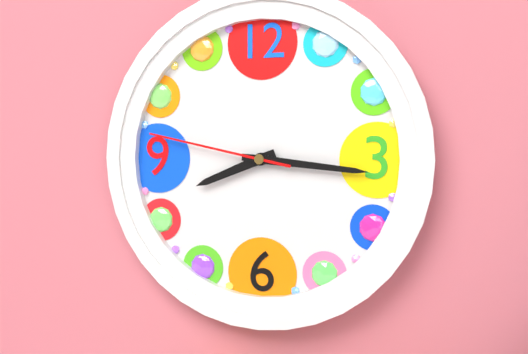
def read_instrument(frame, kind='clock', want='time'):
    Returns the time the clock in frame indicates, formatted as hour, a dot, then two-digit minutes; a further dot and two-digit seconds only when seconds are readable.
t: 8.16.47
